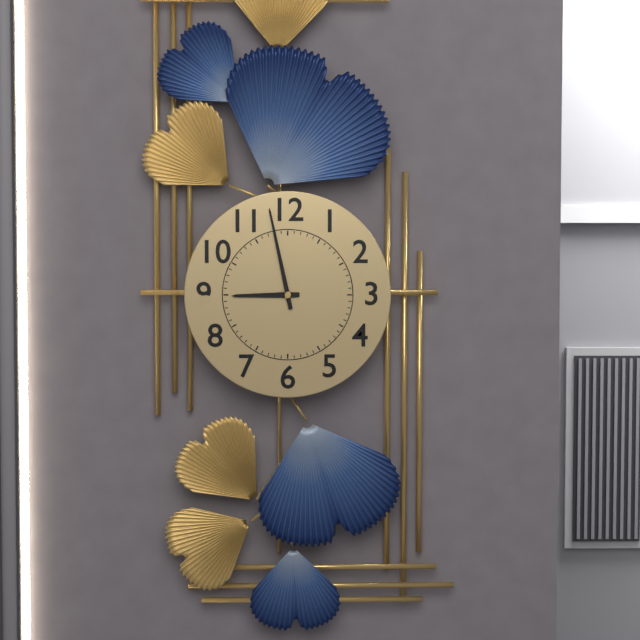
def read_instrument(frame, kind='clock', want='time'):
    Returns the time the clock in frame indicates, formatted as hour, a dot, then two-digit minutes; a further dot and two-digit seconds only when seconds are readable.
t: 8.58
